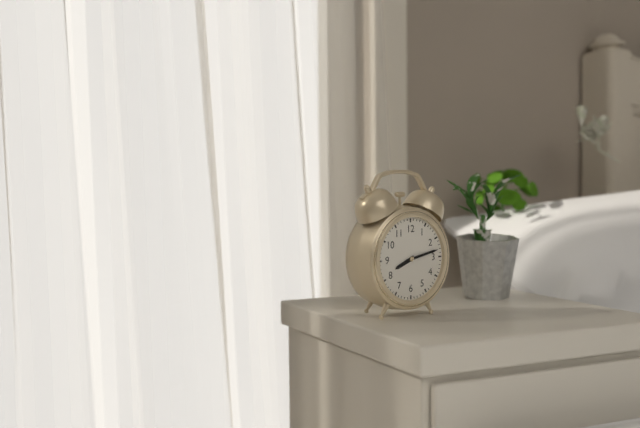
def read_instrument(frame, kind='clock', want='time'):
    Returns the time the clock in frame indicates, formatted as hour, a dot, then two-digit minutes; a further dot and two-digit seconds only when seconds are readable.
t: 8.13
